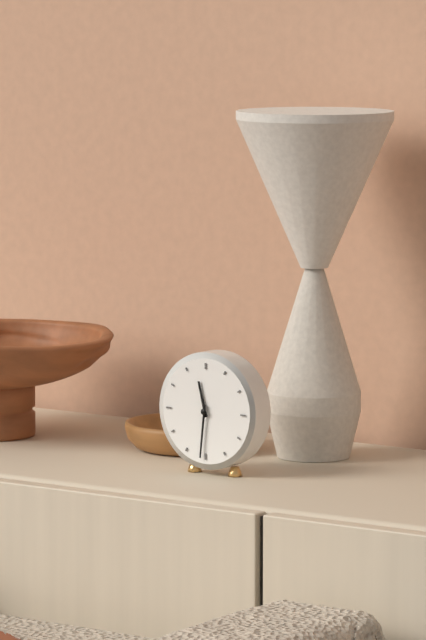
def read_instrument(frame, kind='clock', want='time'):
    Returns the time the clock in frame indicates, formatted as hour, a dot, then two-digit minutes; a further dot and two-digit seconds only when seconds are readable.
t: 11.31
